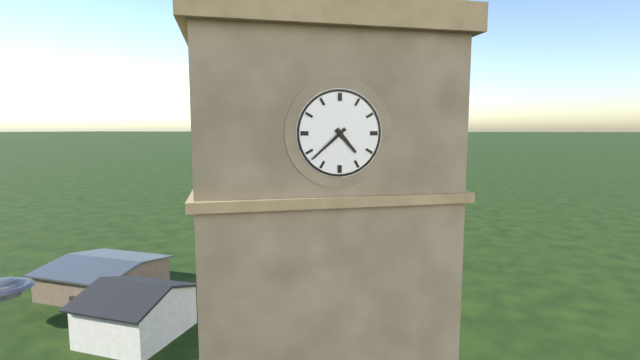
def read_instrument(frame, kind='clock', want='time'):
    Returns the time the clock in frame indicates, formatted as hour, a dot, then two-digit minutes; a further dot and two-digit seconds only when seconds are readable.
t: 4.38
